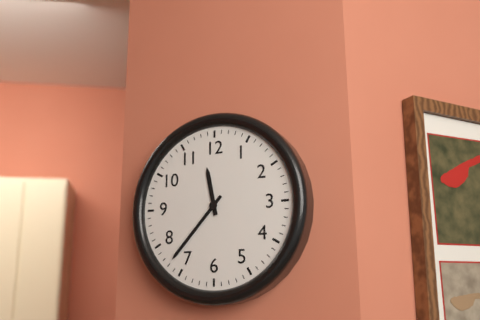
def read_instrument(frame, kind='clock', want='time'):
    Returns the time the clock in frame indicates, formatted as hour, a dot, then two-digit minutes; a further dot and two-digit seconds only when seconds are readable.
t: 11.37
